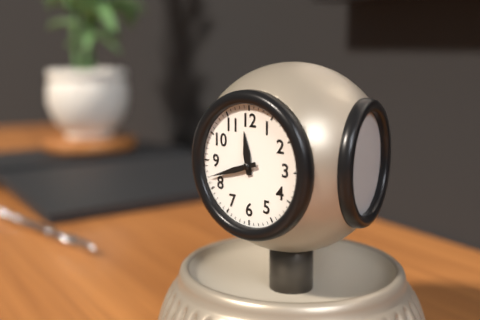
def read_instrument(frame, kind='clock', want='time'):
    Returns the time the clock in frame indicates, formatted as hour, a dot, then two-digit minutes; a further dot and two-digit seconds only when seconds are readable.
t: 11.42
